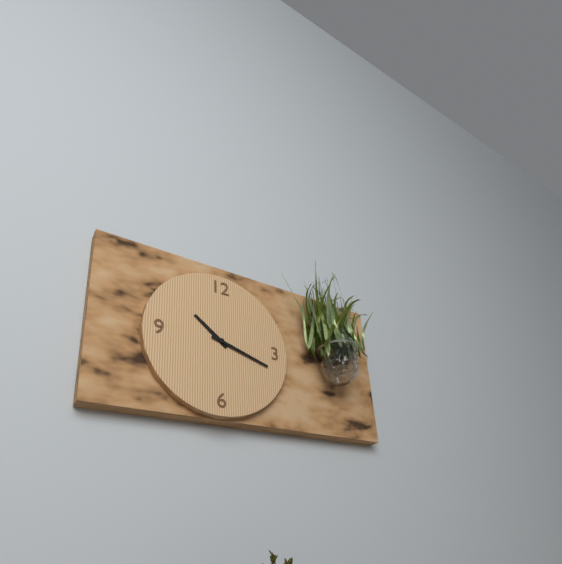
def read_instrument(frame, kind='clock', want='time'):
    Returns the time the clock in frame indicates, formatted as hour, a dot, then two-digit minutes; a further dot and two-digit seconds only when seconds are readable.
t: 10.18
